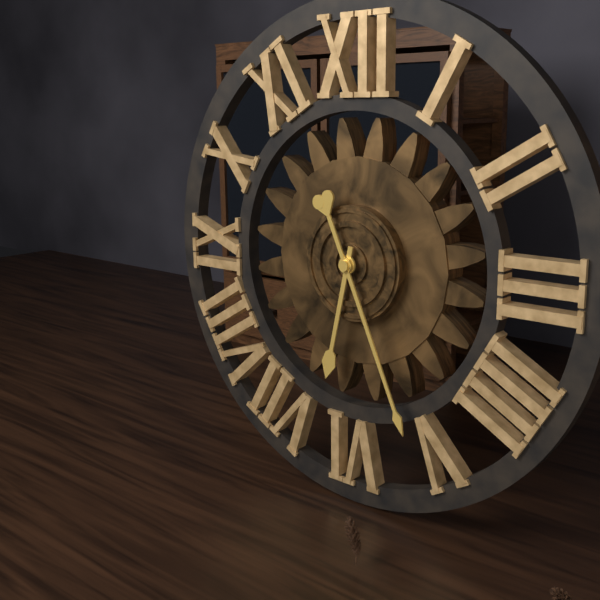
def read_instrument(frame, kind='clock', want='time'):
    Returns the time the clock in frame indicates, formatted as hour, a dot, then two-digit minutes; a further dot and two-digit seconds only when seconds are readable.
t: 6.26
